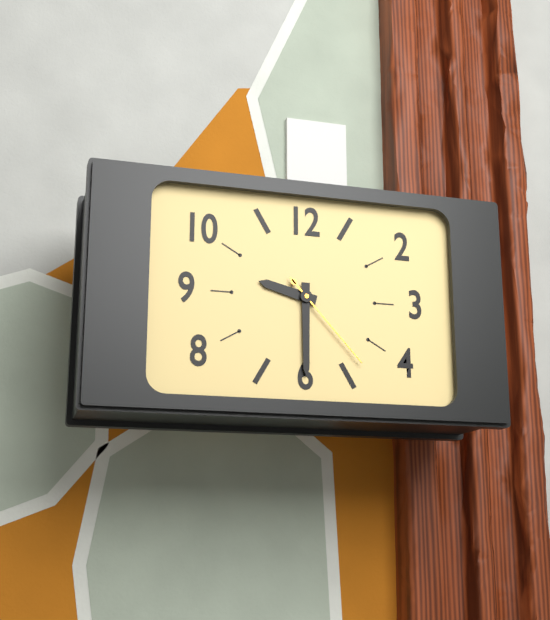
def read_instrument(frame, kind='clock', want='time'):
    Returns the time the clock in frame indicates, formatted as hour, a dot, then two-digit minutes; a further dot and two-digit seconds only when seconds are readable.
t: 9.30.23
